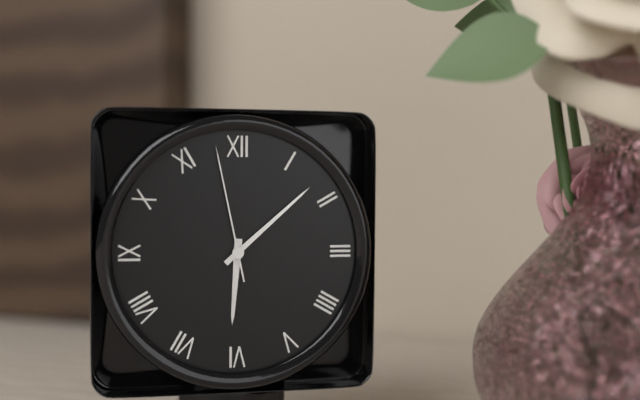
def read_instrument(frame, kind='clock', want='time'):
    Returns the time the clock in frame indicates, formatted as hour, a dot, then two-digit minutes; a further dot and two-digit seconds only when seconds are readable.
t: 6.08.58
